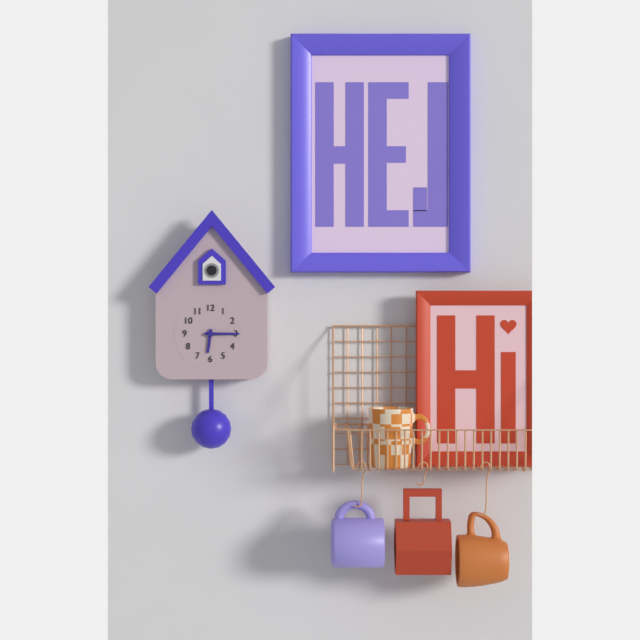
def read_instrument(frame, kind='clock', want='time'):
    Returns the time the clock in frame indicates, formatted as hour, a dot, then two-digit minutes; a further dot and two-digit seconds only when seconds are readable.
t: 6.15
